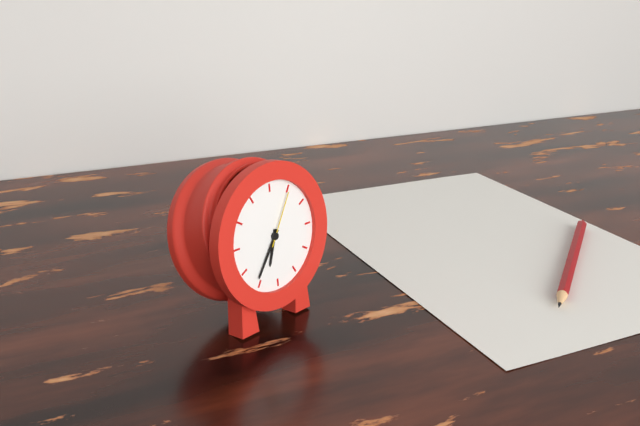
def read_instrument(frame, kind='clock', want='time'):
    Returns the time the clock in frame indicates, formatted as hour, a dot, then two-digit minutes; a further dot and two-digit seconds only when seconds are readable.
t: 6.36.05
